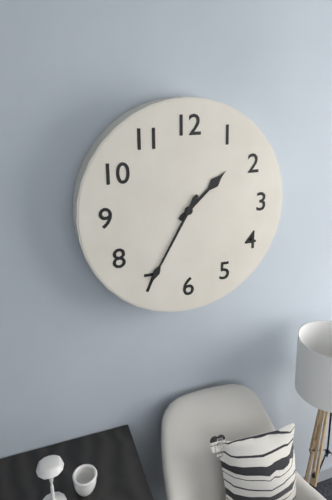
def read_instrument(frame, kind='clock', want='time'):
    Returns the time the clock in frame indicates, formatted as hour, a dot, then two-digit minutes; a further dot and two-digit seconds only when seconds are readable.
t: 1.35
